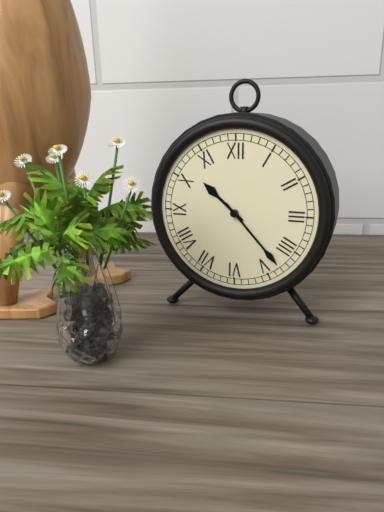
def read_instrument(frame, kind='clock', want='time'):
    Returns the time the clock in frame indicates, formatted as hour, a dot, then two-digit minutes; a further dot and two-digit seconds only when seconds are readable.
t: 10.23
